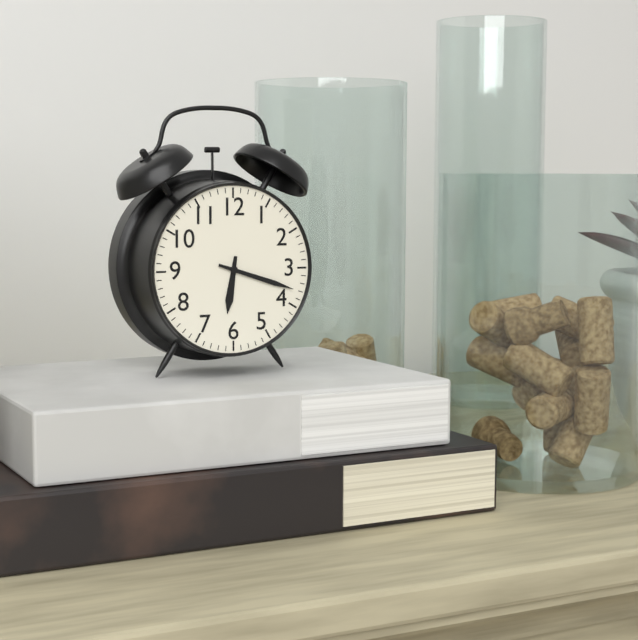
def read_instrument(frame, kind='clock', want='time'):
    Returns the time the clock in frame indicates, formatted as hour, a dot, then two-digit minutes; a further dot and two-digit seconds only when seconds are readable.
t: 6.18
